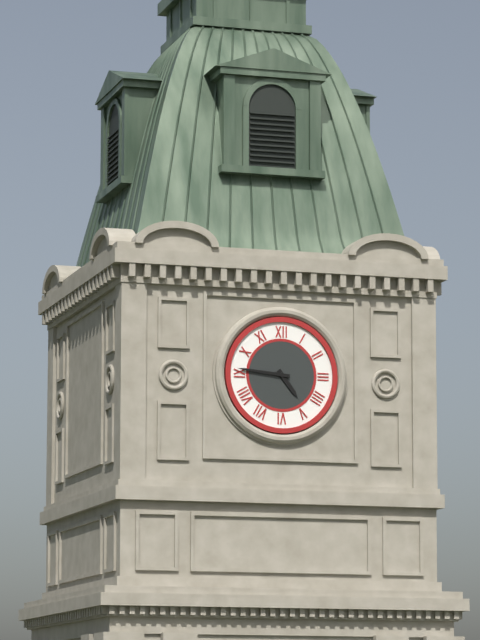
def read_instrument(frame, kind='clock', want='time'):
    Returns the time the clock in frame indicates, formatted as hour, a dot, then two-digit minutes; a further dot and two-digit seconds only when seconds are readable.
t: 4.46
